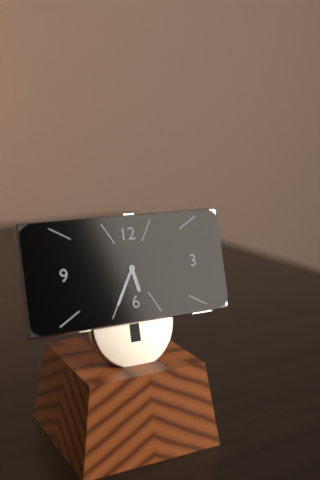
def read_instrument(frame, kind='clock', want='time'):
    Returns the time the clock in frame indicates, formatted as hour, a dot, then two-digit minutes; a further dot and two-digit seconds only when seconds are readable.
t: 5.35
